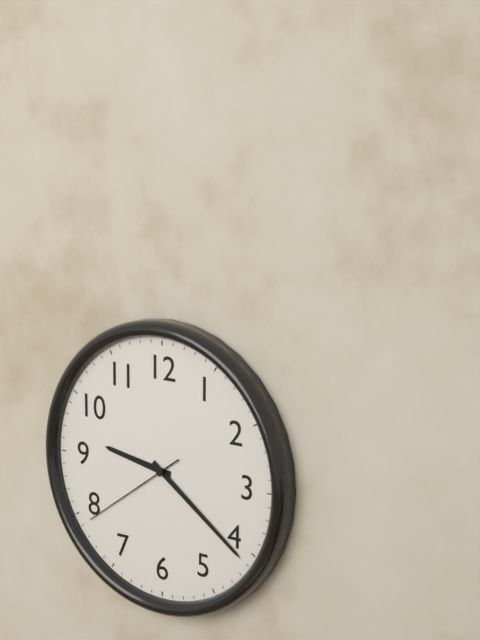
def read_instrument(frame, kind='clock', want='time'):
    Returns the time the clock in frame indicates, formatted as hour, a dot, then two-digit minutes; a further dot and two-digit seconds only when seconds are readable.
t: 9.21.39
